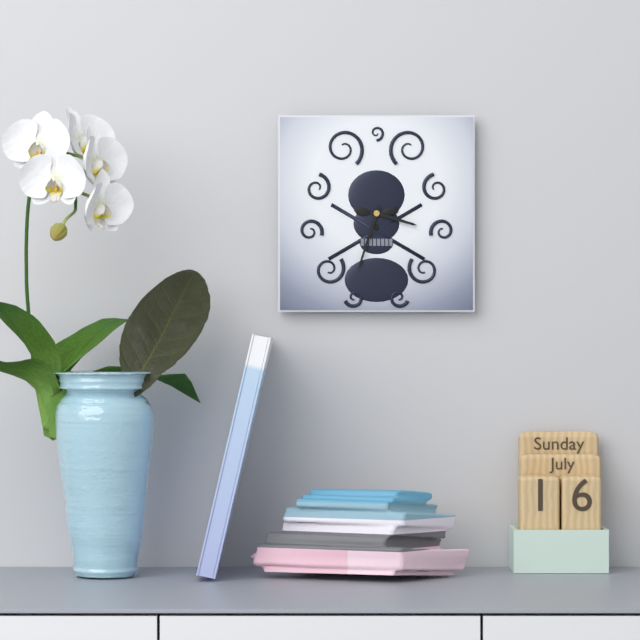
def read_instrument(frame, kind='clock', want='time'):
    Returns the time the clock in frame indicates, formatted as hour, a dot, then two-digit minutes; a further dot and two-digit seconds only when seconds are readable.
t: 3.33
